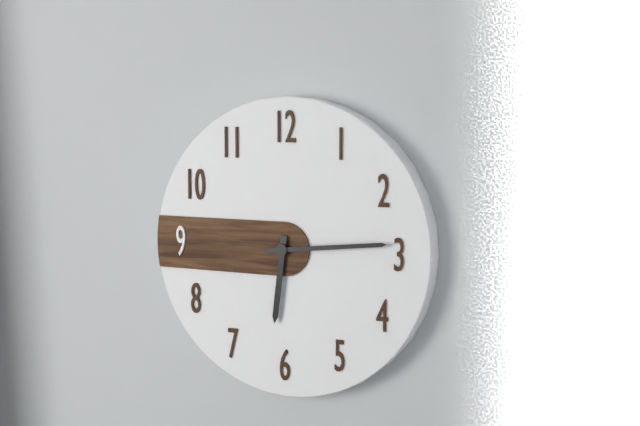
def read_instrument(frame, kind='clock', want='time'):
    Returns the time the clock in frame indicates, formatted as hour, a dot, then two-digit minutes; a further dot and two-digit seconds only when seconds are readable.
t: 6.14
